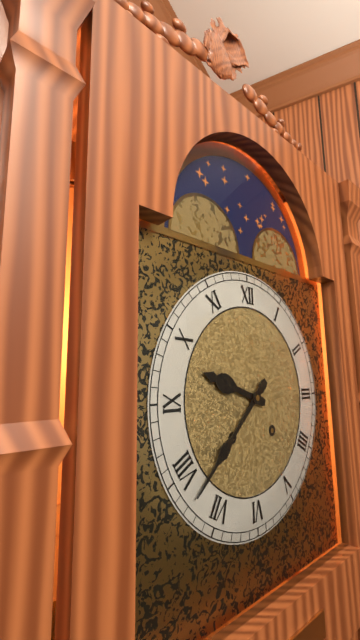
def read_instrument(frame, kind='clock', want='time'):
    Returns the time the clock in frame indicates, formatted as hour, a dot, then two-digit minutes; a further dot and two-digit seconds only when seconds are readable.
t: 9.38
